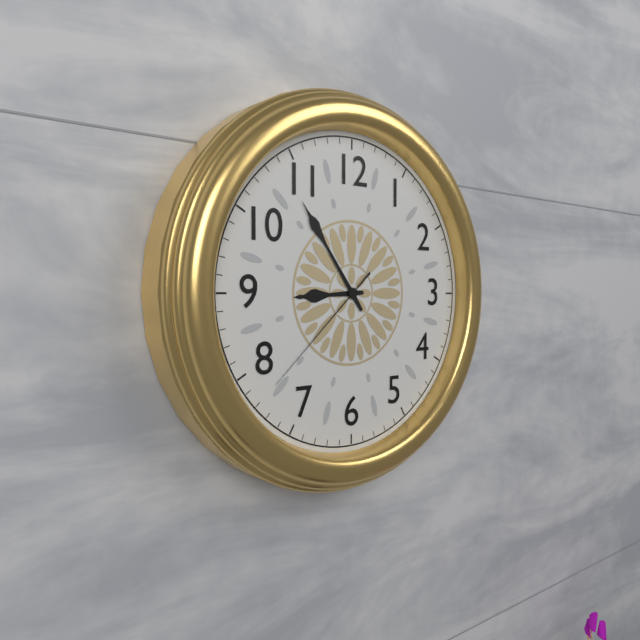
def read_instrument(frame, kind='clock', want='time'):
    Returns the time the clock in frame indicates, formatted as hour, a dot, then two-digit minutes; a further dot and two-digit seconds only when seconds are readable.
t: 8.54.38
